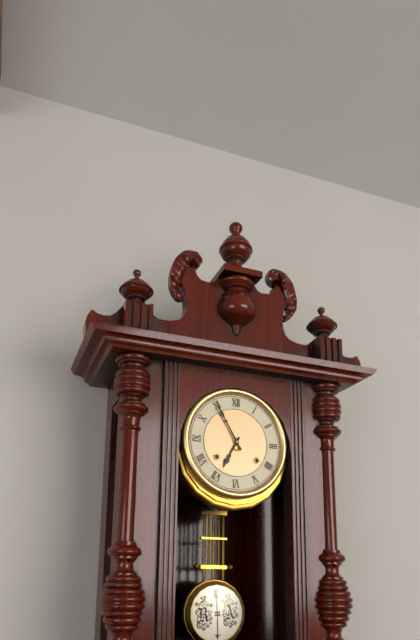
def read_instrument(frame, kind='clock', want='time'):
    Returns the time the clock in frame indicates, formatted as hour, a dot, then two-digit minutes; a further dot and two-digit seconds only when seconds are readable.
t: 6.55
